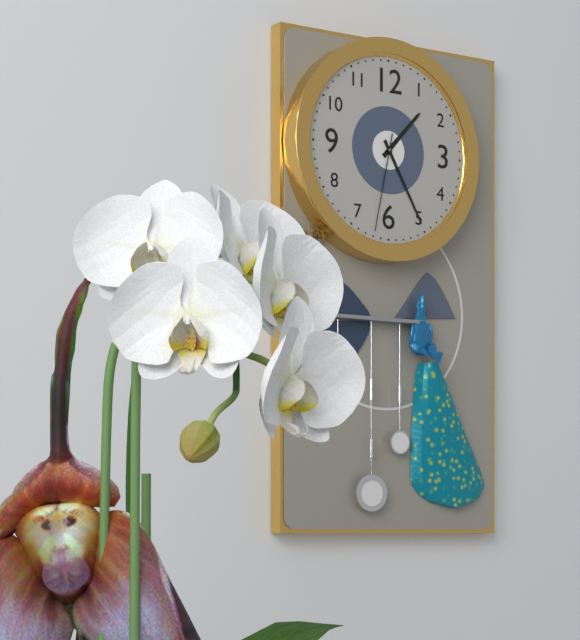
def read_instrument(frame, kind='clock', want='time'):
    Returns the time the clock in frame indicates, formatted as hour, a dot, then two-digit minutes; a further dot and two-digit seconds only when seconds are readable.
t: 1.25.32
